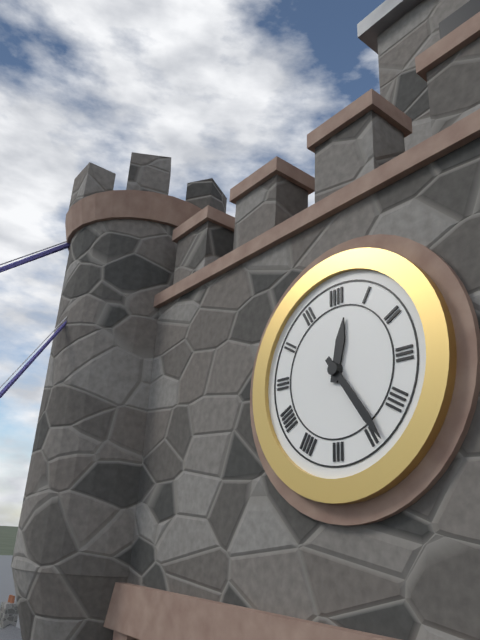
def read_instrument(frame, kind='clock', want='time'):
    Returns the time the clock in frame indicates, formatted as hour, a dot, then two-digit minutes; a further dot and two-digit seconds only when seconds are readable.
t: 12.24
